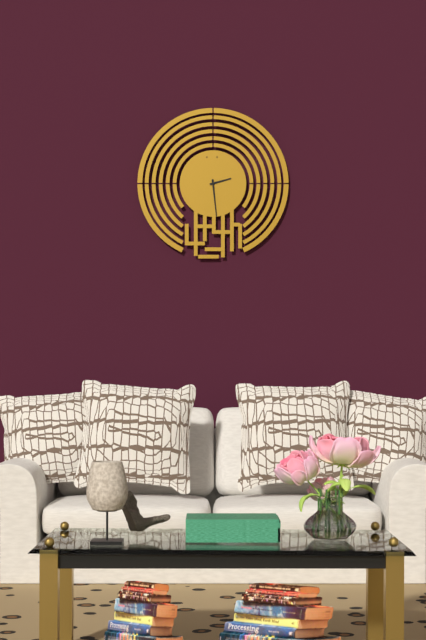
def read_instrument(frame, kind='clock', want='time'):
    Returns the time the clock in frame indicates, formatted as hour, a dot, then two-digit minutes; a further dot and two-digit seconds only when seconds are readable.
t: 2.29
